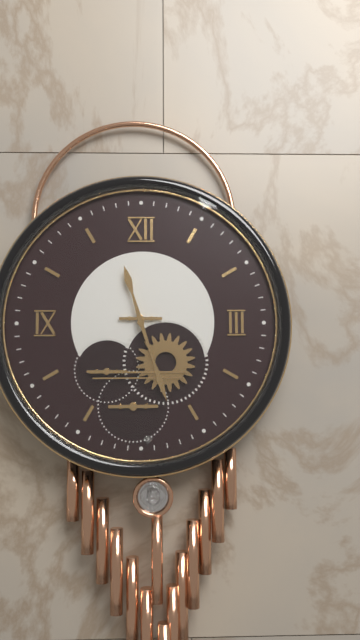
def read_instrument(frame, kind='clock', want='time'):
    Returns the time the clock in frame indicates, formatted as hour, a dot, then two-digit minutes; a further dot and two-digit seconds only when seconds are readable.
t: 11.27
